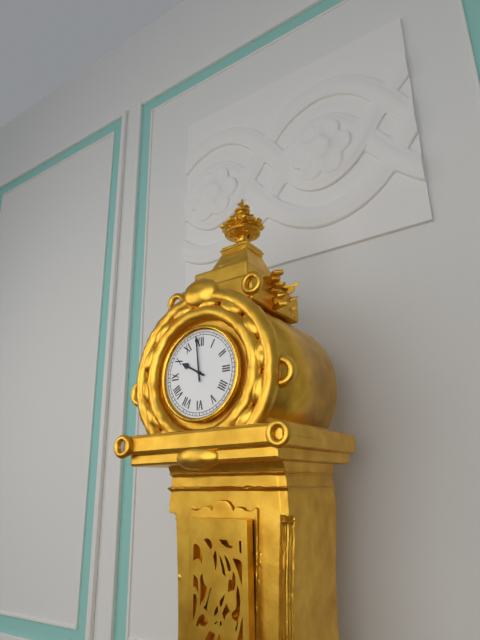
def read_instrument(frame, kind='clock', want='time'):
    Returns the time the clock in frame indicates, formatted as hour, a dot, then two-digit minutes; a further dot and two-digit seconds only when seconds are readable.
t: 9.59
